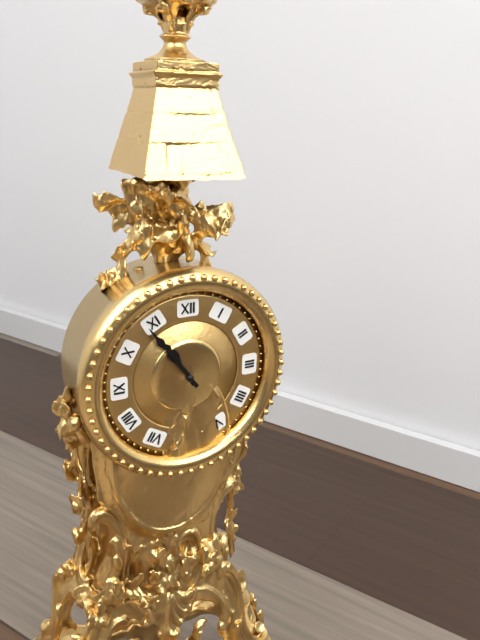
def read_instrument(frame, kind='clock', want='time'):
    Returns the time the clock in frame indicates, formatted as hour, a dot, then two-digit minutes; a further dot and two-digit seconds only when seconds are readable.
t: 10.54
